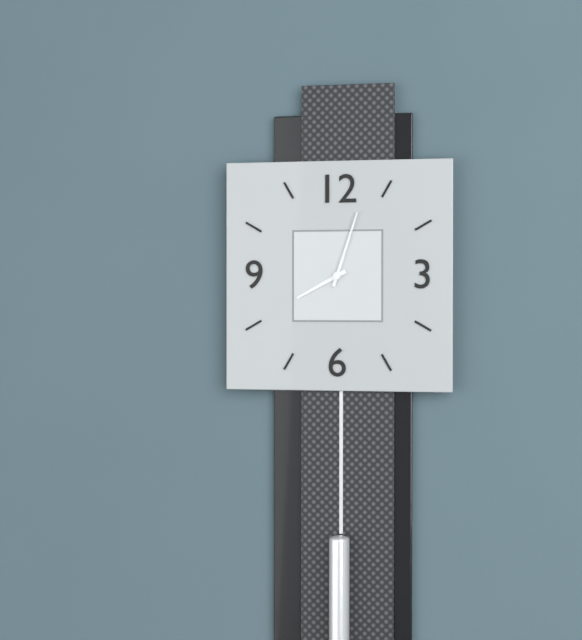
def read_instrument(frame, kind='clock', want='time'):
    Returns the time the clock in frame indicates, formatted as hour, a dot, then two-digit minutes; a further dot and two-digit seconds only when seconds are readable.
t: 8.03
